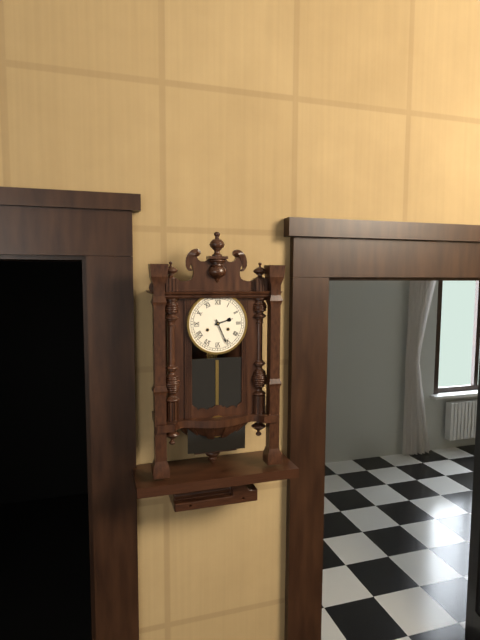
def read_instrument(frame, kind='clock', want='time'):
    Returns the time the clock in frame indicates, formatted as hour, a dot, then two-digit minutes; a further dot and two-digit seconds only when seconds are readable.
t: 2.26
